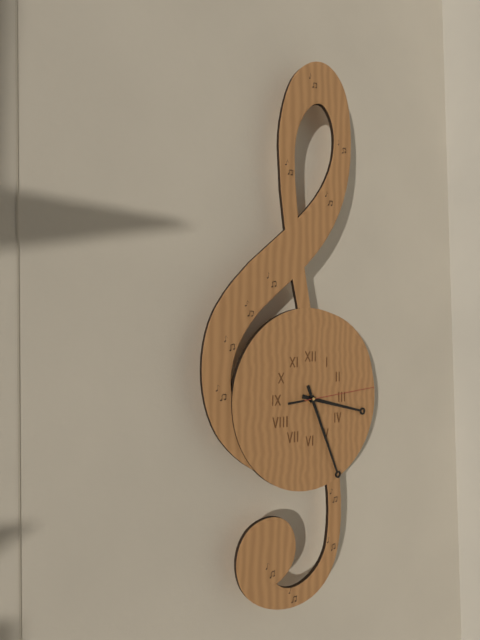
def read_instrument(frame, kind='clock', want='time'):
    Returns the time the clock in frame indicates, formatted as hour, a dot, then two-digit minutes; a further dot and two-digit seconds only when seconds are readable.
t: 3.26.14
